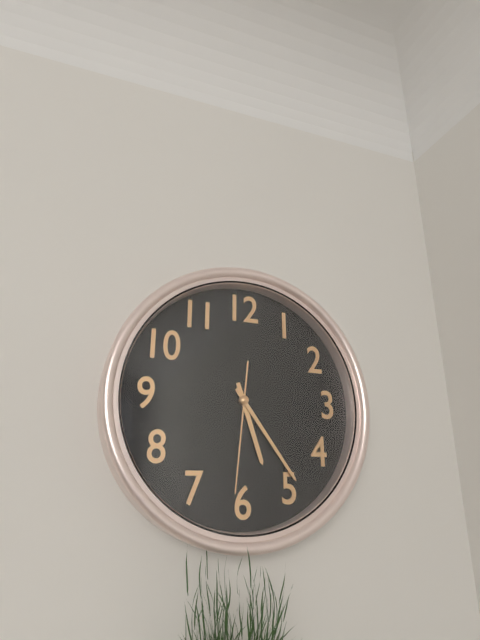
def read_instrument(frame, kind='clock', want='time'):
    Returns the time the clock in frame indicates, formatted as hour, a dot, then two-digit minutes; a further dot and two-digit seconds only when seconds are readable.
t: 5.24.31
